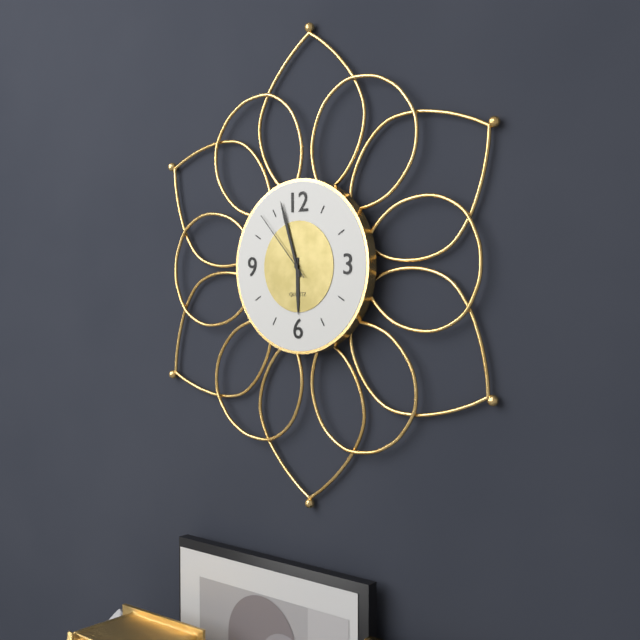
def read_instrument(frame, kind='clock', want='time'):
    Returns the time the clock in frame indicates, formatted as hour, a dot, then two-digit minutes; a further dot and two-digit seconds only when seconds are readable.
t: 5.57.53
